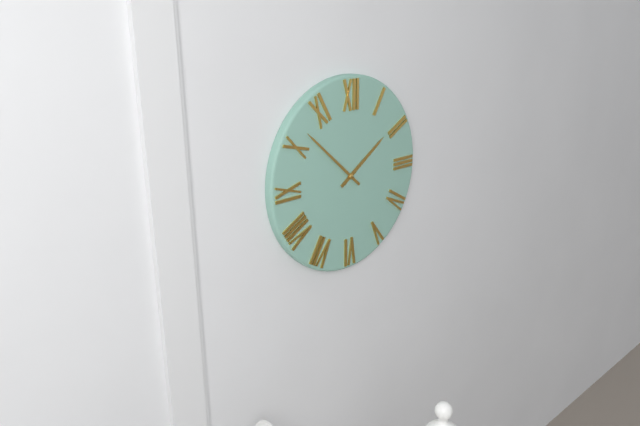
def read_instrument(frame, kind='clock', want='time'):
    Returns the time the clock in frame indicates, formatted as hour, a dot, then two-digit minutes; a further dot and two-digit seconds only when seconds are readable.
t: 1.52
